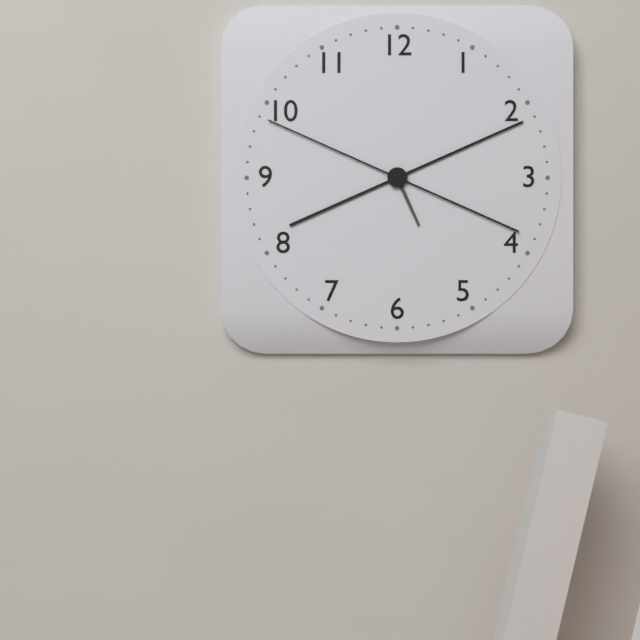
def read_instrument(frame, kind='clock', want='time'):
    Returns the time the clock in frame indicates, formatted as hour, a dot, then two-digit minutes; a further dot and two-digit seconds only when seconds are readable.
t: 5.11.49
